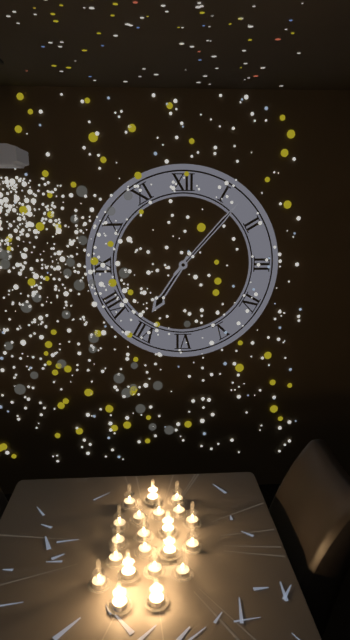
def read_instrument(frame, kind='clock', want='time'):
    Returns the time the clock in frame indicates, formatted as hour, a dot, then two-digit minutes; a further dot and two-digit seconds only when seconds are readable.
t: 7.07
